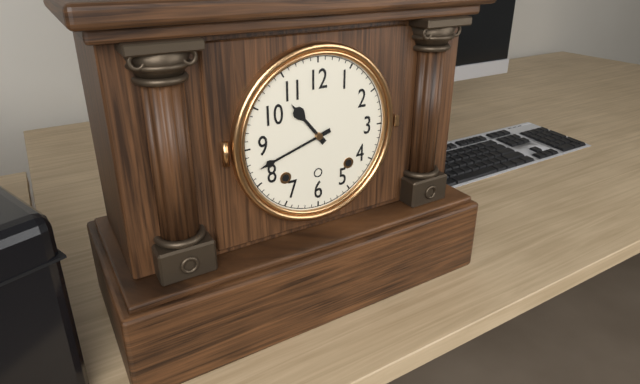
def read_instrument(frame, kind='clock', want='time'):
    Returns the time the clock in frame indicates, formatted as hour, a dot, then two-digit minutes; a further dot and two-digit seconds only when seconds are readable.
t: 10.42
